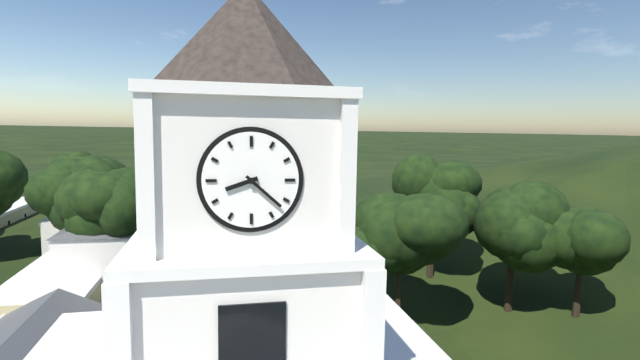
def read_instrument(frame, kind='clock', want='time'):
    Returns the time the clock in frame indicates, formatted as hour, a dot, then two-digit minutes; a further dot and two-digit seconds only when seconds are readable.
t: 8.22
